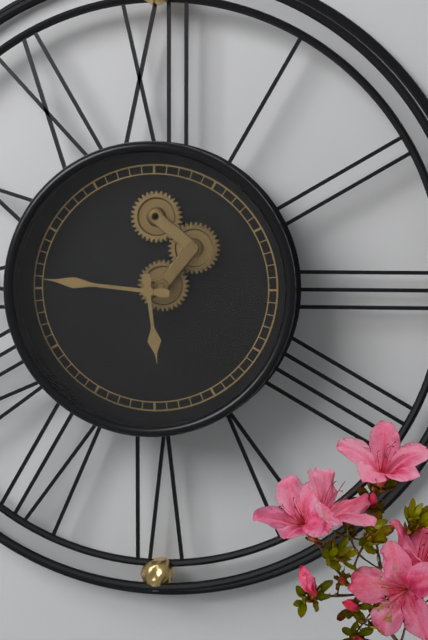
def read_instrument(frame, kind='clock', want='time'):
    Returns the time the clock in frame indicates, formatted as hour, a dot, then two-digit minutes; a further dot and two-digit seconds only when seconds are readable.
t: 5.46
